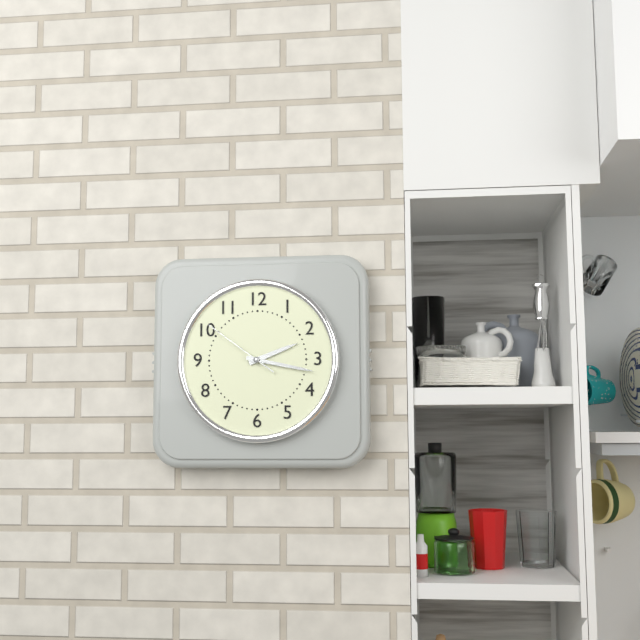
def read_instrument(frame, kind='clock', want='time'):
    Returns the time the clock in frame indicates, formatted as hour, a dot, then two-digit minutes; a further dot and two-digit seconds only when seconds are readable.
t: 2.17.51
